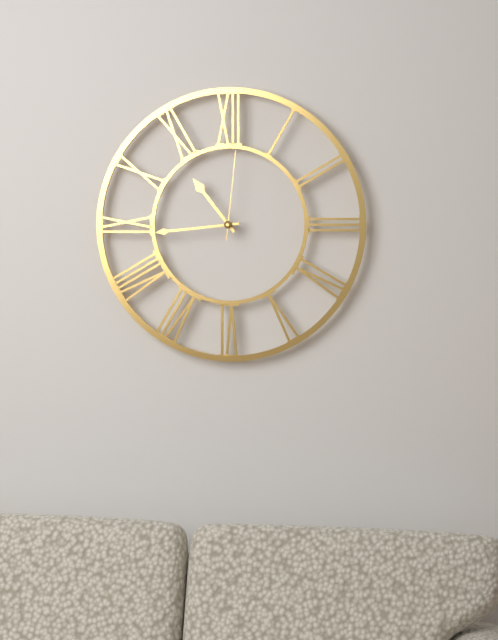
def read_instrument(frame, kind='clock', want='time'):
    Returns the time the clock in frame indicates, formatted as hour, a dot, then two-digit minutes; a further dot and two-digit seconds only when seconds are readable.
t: 10.44.01
